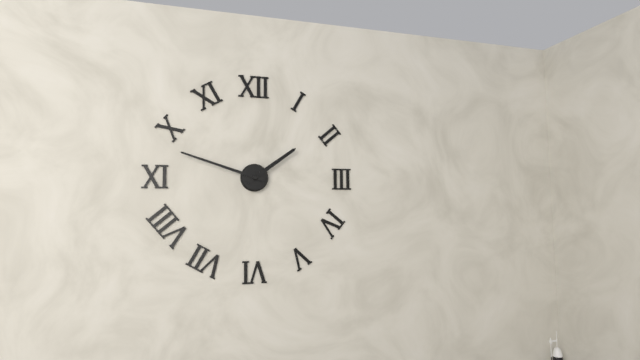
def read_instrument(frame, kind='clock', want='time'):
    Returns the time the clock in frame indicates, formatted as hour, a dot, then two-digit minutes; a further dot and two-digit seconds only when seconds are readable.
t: 1.48
